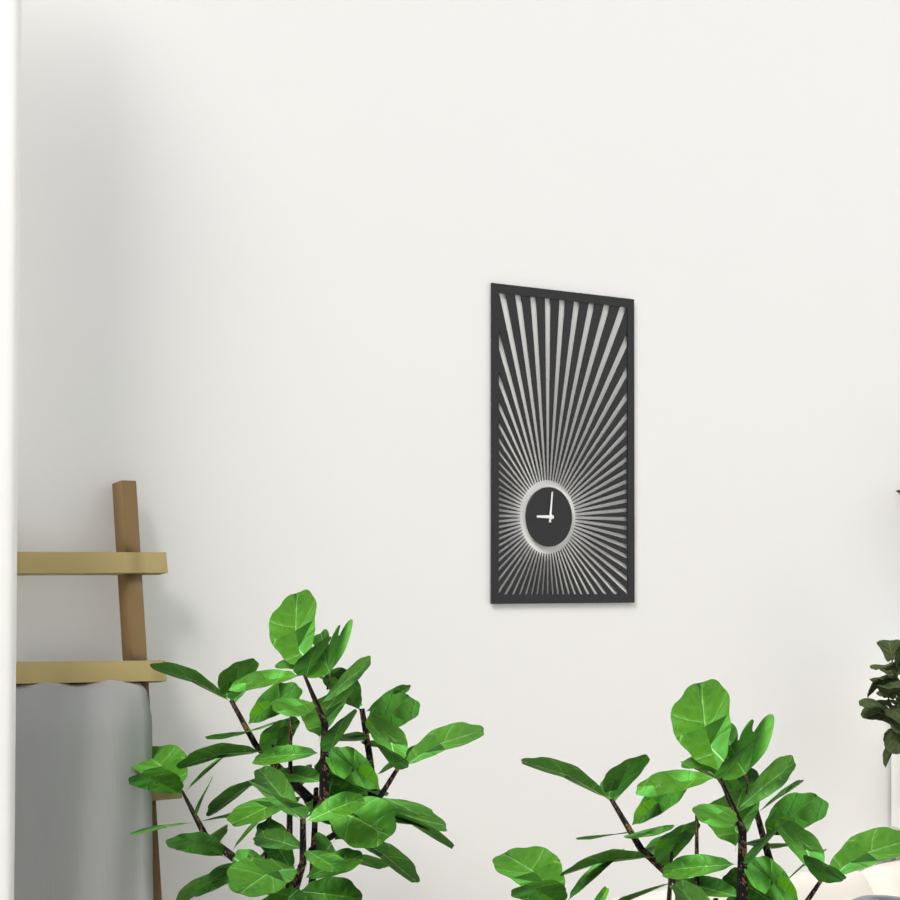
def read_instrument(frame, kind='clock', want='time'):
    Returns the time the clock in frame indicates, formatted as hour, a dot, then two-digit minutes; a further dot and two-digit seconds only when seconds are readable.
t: 9.01
